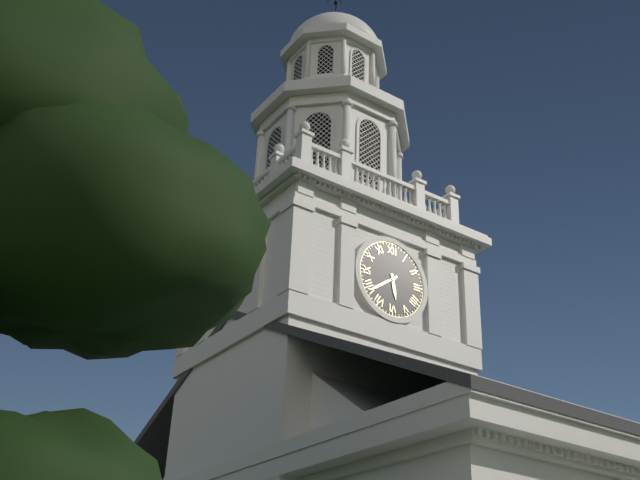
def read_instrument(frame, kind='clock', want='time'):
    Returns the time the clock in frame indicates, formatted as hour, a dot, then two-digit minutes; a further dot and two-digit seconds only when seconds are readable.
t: 5.39
